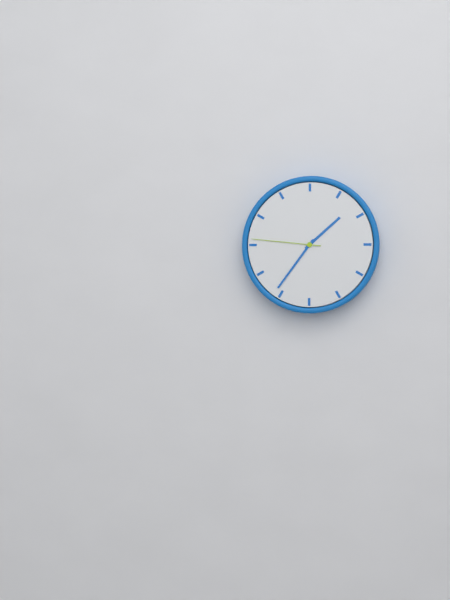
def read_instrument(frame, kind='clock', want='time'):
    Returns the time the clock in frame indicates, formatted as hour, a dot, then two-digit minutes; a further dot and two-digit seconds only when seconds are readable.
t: 1.36.46
